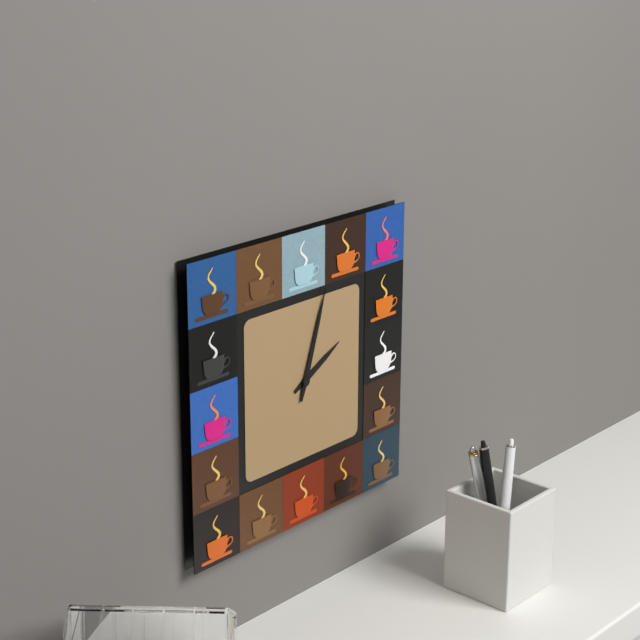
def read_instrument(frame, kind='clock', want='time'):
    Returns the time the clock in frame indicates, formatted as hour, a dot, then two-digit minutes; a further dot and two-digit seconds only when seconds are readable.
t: 2.03
